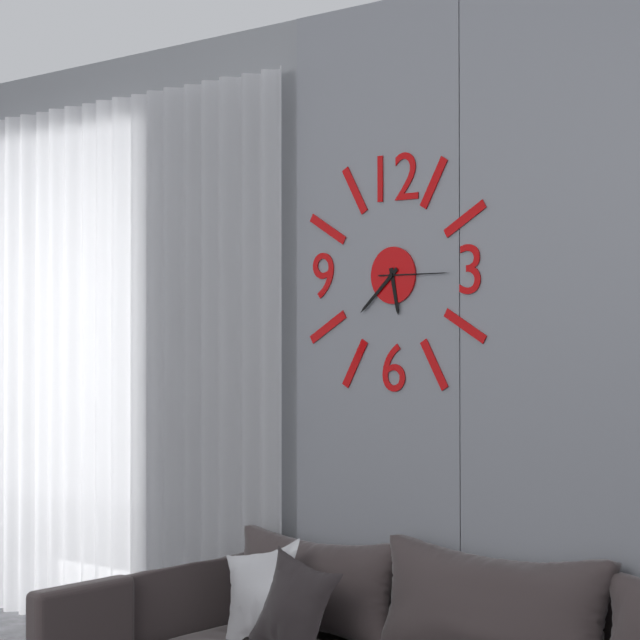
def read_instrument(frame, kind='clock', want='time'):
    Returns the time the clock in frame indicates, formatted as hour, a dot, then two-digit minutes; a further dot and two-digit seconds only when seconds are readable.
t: 5.38.15
